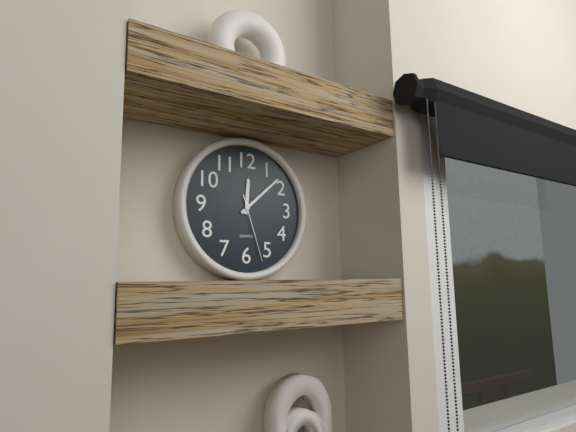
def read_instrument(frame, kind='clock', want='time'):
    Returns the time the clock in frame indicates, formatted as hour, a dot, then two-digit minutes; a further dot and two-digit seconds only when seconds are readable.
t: 12.08.27
